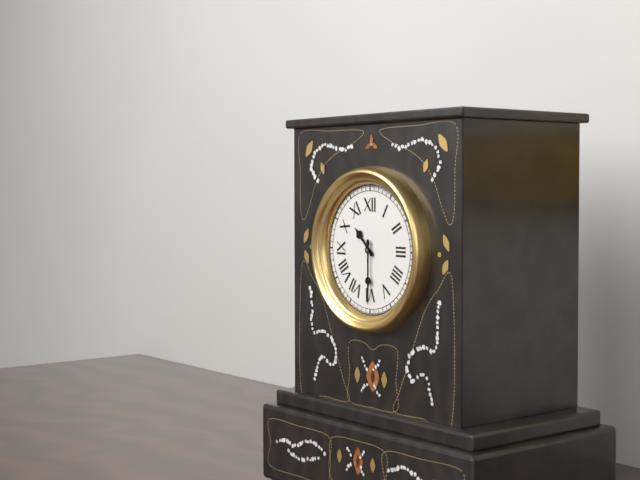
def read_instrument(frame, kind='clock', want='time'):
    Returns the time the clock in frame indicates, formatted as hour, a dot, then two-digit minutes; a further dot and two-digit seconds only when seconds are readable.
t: 10.30
